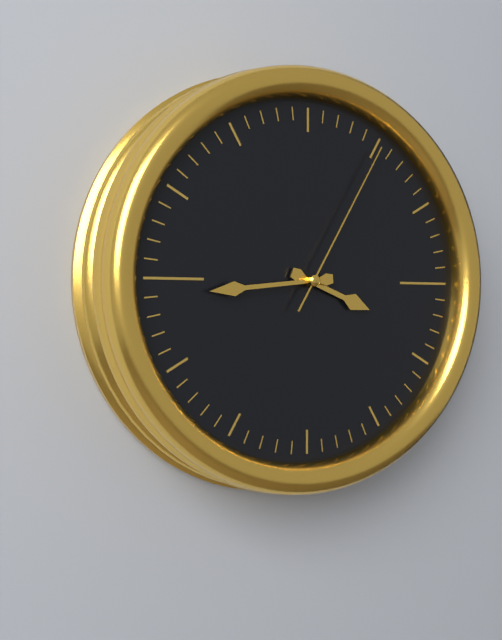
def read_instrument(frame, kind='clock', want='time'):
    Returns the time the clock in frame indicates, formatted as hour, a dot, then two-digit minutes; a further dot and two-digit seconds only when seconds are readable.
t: 3.44.05
